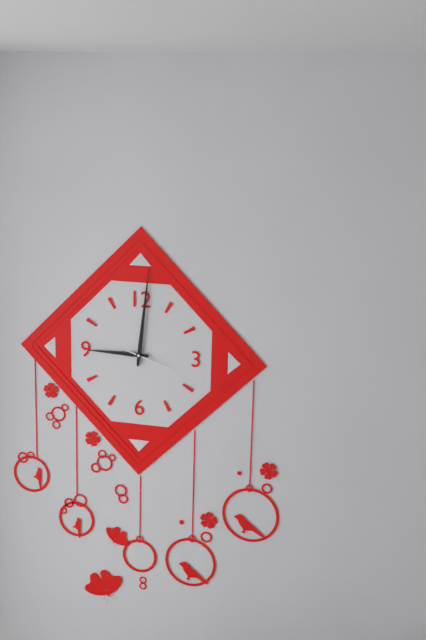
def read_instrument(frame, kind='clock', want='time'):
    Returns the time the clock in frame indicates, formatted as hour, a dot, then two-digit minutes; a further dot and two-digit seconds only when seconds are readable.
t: 9.01.18
